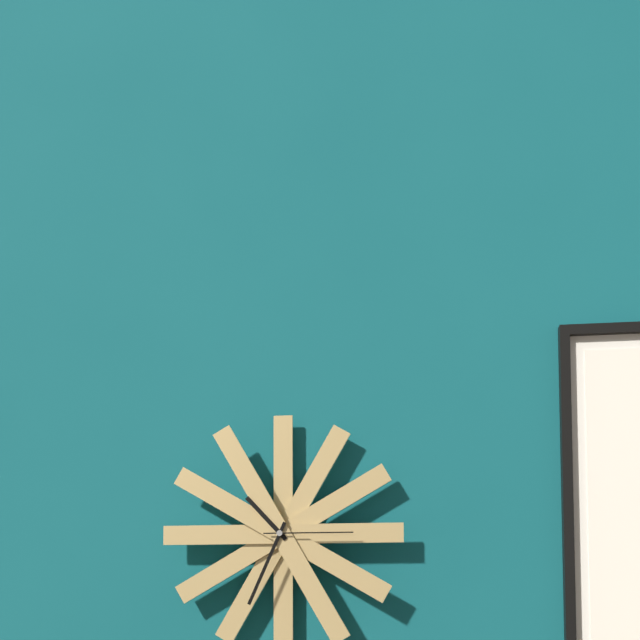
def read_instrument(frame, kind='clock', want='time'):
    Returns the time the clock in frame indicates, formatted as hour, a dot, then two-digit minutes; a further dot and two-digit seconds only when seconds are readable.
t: 10.34.15
